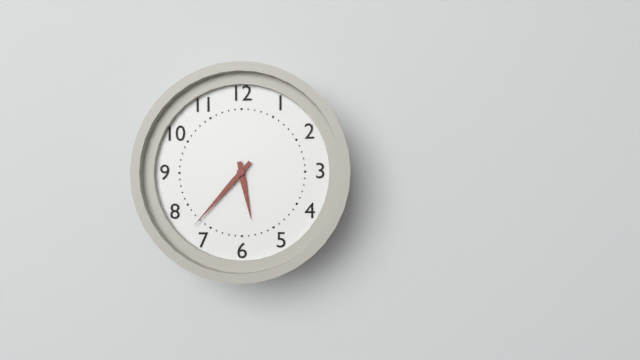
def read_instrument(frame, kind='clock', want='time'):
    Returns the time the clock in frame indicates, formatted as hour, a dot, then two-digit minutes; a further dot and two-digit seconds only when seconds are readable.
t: 5.37
